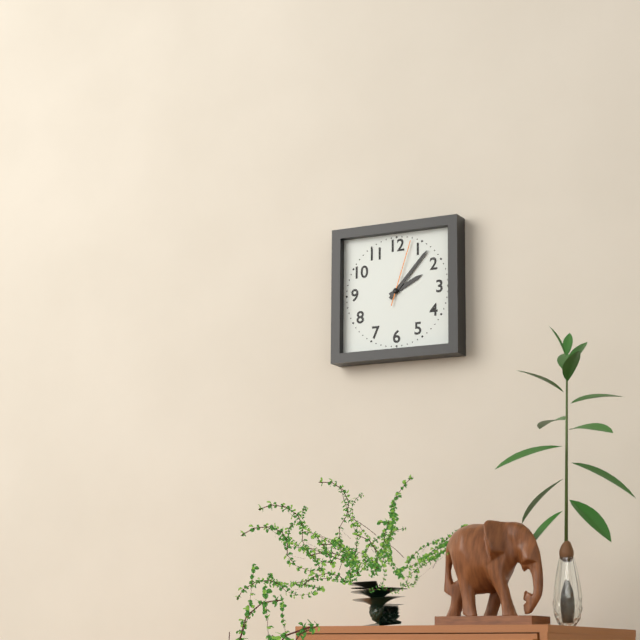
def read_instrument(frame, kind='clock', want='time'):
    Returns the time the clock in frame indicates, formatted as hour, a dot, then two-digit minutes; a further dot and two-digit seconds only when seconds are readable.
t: 2.07.03
